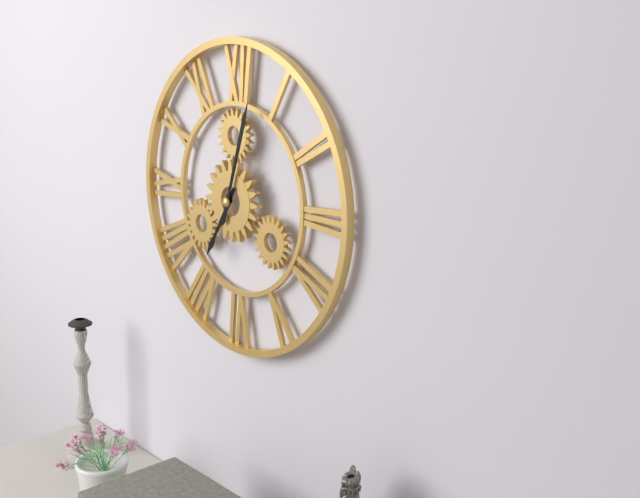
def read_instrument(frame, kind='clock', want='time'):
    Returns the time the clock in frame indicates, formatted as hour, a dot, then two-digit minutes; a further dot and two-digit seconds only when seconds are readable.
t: 7.03
